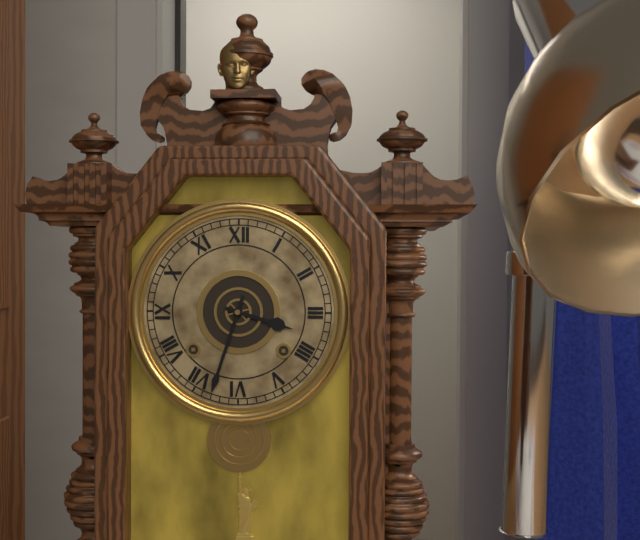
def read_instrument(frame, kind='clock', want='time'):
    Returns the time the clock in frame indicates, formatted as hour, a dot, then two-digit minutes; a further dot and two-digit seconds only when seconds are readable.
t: 3.33
